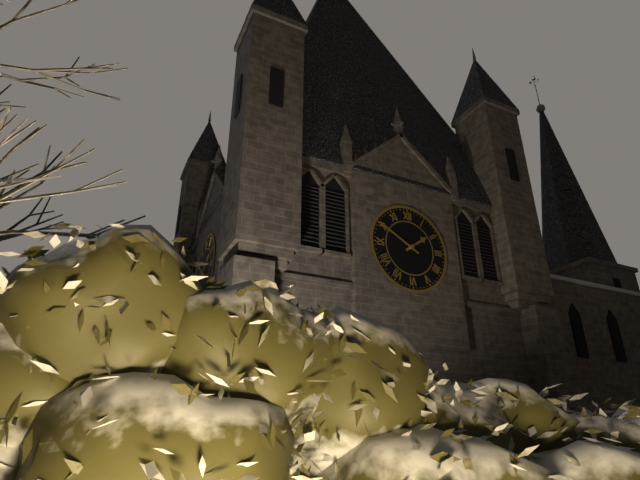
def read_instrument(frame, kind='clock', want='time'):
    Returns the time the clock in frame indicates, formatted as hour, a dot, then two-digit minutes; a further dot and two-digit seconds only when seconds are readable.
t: 1.50
